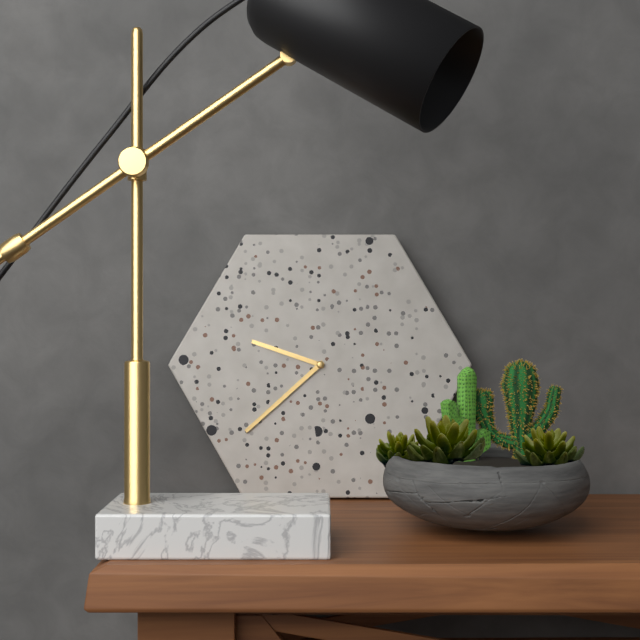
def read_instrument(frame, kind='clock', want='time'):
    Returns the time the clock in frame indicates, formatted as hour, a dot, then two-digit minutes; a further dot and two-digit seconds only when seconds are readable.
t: 9.38
